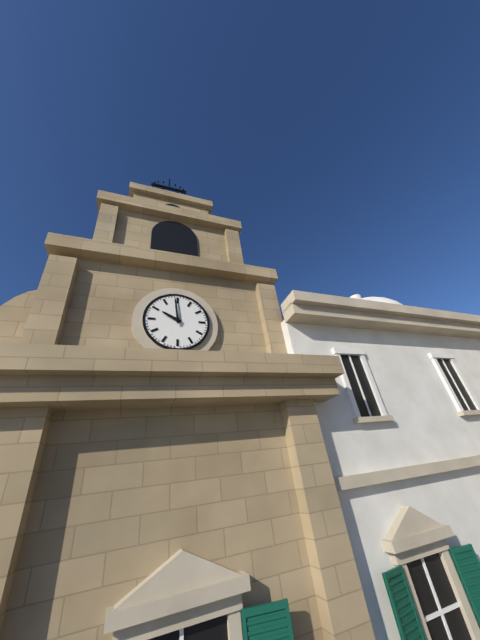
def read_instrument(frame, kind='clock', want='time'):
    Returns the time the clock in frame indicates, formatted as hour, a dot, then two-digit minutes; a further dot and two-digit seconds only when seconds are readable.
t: 9.59
